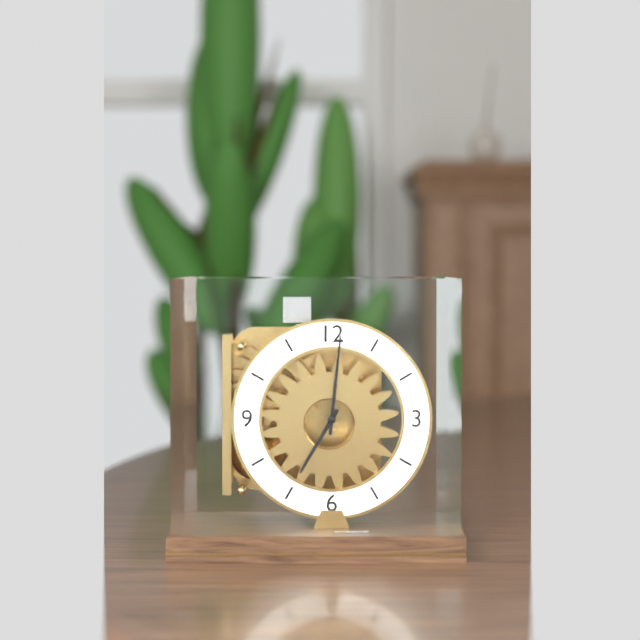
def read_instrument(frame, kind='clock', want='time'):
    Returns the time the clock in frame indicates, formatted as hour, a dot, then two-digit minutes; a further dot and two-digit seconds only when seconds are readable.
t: 7.01
